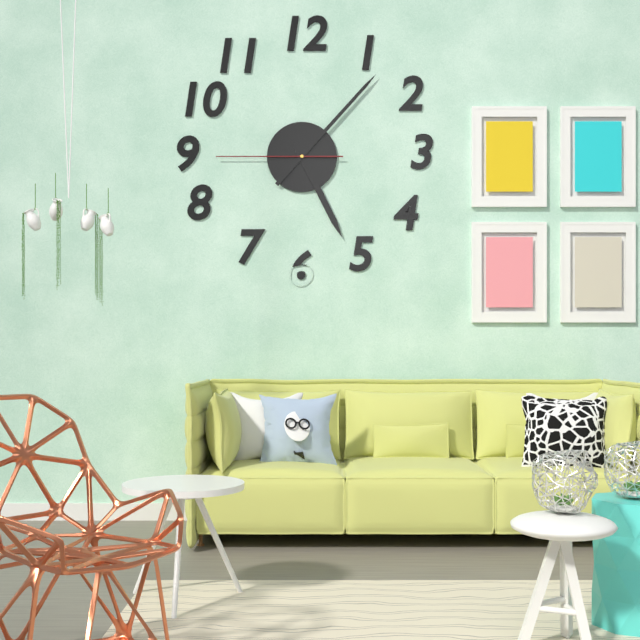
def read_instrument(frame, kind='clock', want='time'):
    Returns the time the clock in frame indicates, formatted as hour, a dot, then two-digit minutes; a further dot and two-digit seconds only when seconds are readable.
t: 5.07.45
